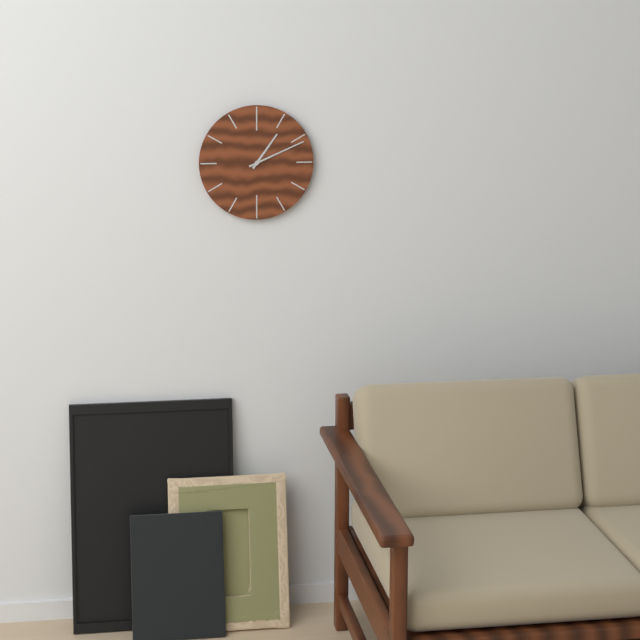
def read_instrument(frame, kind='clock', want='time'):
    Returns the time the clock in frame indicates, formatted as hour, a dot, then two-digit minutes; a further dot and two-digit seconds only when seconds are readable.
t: 1.11
